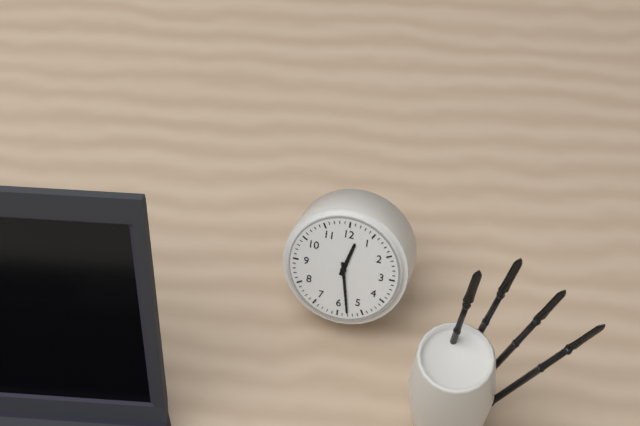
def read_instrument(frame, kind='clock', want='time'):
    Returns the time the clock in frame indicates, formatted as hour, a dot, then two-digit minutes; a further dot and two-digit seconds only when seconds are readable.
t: 12.28
